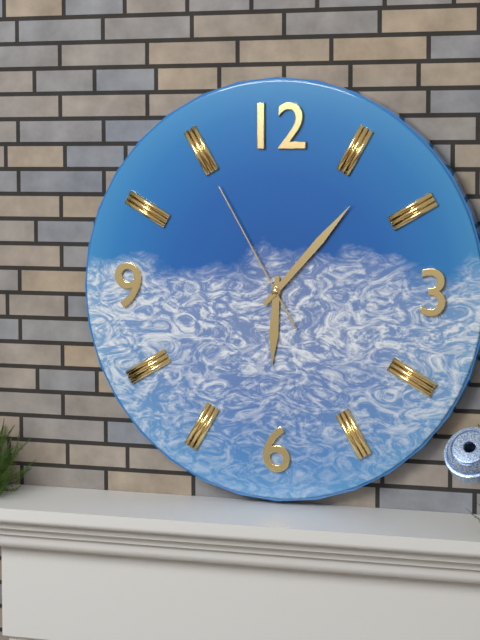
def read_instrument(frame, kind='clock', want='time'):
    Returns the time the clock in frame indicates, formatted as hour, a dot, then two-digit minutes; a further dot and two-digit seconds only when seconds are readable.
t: 6.07.55
